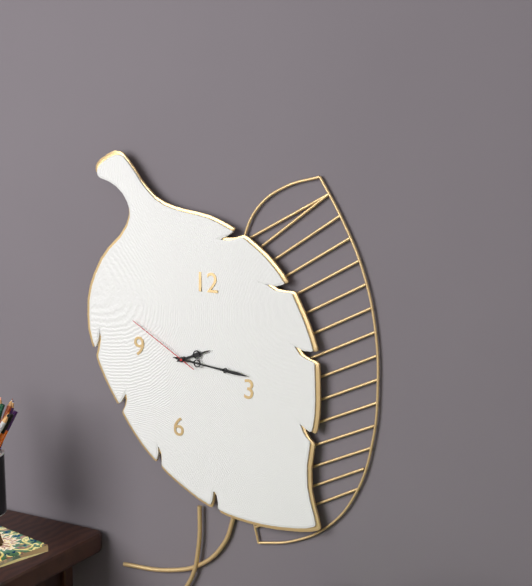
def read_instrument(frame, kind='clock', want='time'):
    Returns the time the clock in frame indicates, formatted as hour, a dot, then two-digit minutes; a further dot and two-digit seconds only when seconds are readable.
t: 2.16.50
